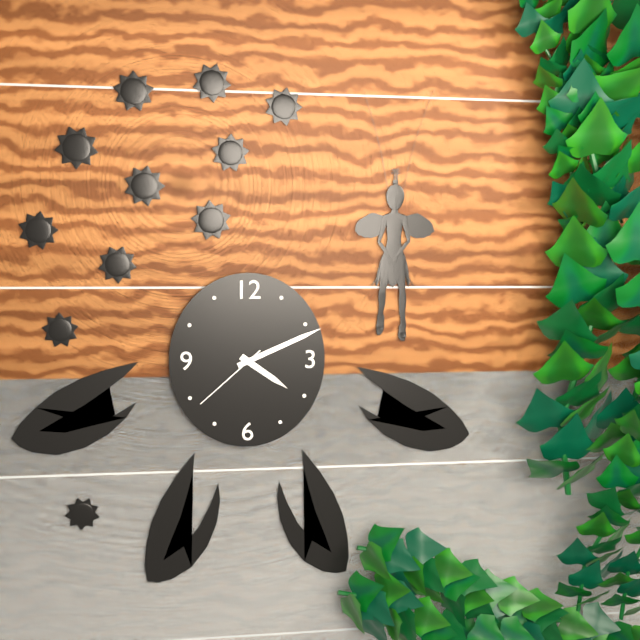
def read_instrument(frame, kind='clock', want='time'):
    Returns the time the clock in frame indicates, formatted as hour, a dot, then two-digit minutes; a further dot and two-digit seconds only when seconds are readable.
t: 4.11.38
